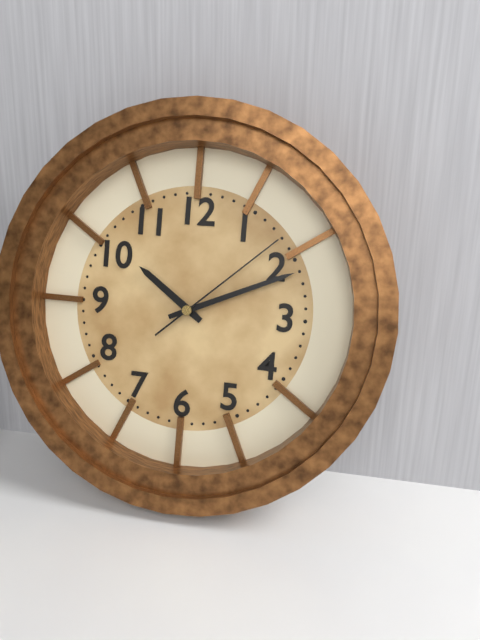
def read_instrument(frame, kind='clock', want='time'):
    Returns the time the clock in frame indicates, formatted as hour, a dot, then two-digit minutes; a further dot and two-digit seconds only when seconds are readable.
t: 10.11.08
